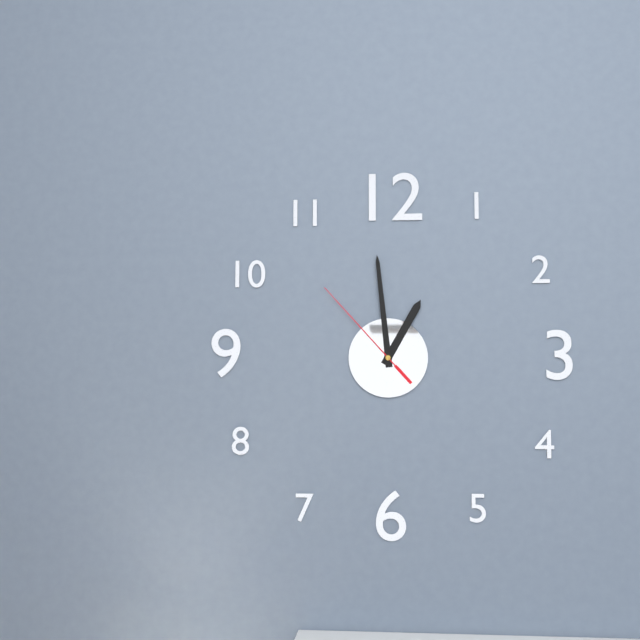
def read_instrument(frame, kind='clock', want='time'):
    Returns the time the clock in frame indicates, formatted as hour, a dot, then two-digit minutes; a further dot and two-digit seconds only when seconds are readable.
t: 12.59.53
